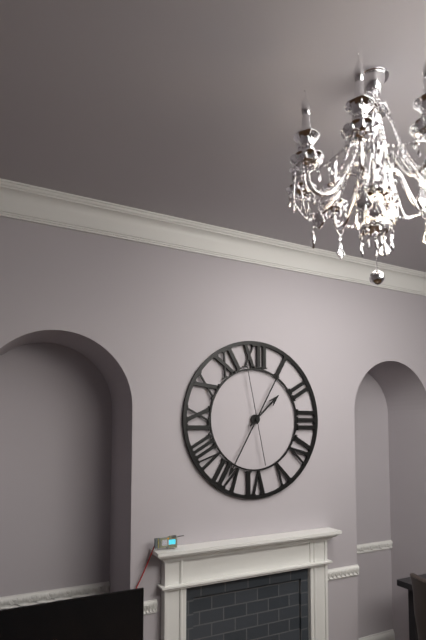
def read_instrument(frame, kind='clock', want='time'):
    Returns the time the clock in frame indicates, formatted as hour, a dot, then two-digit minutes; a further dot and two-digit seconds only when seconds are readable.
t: 1.35.58
